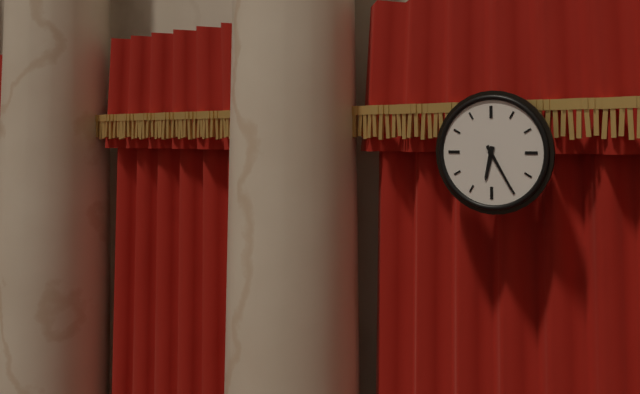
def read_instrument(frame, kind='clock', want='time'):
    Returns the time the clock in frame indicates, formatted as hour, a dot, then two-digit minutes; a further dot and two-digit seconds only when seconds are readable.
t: 6.25
